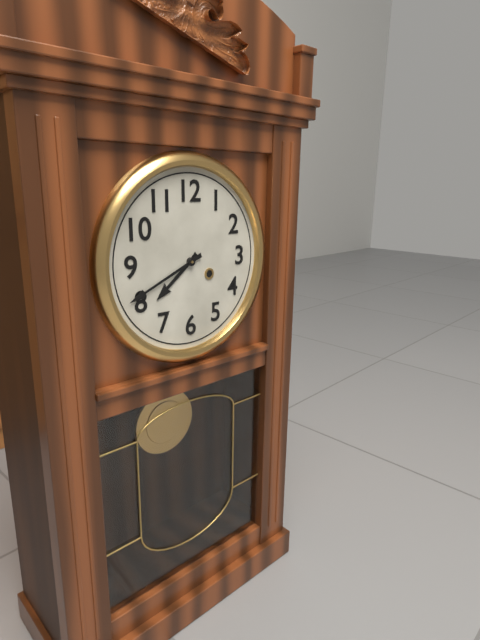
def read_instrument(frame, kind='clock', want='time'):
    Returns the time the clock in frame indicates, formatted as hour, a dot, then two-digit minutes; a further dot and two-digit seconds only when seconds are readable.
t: 7.41
